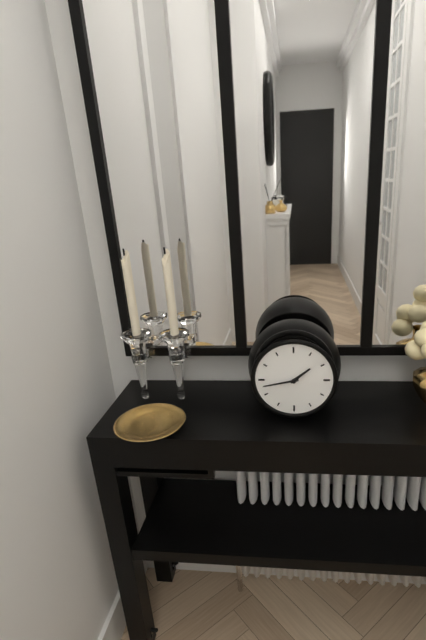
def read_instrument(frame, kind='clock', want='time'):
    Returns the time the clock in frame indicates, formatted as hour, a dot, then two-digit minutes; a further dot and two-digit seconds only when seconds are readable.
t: 1.43
